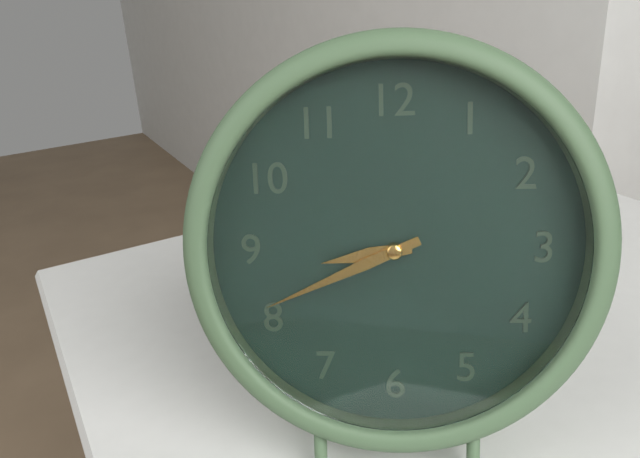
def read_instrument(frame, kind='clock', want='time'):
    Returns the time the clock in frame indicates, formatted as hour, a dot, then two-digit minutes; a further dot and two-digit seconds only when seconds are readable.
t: 8.41
